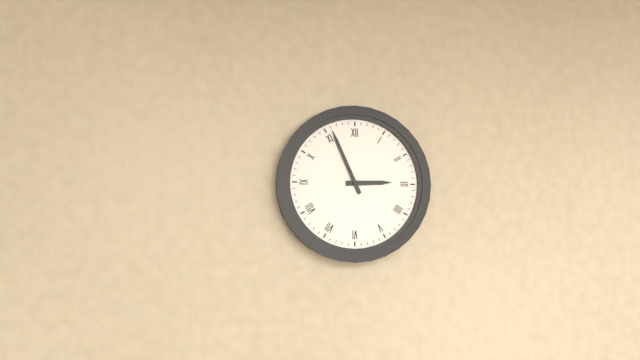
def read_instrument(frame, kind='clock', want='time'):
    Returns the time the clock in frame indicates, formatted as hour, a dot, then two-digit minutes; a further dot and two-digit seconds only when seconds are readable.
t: 2.56
